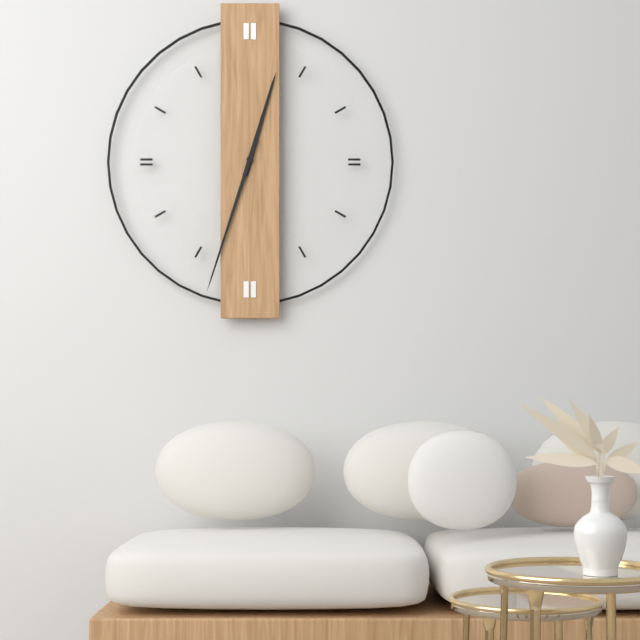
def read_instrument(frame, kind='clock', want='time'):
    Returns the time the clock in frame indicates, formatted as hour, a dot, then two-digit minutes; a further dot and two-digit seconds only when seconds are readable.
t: 12.33
